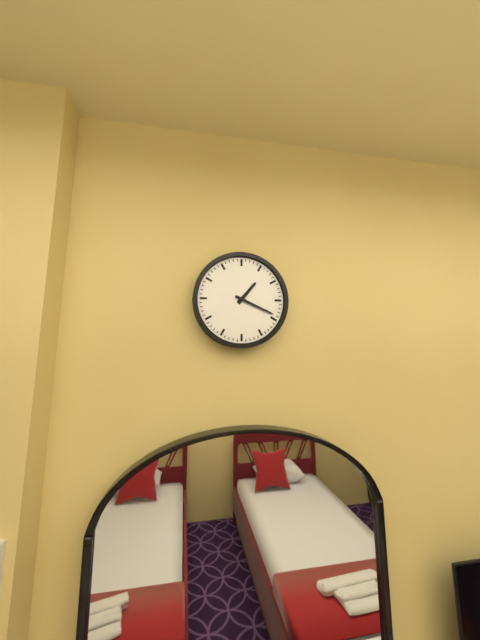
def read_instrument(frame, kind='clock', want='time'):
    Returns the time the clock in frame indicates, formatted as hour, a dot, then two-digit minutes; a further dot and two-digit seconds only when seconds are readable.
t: 1.19
